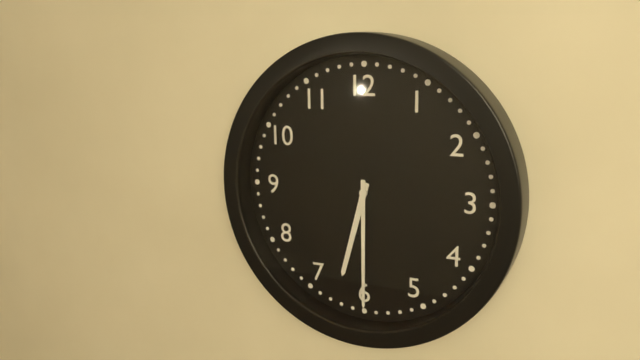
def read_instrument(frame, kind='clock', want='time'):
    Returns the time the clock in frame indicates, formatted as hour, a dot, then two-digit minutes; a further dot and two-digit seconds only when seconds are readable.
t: 6.30
